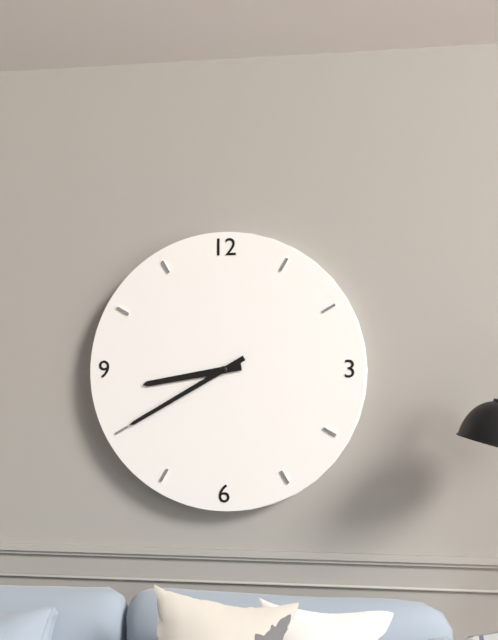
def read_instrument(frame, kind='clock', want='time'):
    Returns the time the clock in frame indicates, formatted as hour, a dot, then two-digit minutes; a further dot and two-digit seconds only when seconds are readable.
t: 8.40
